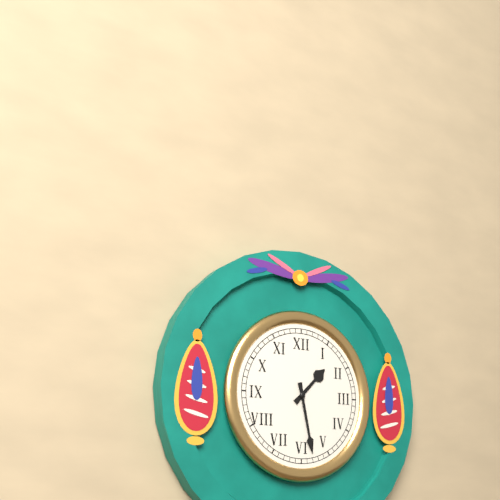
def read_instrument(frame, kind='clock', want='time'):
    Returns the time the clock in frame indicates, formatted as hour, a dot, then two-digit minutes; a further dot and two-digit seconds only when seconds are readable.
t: 1.28
